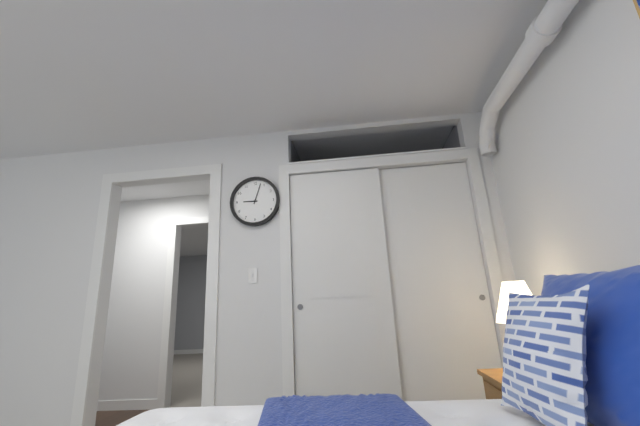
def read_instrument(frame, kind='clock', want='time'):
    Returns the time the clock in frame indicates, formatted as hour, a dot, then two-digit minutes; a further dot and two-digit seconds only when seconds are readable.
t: 9.03
